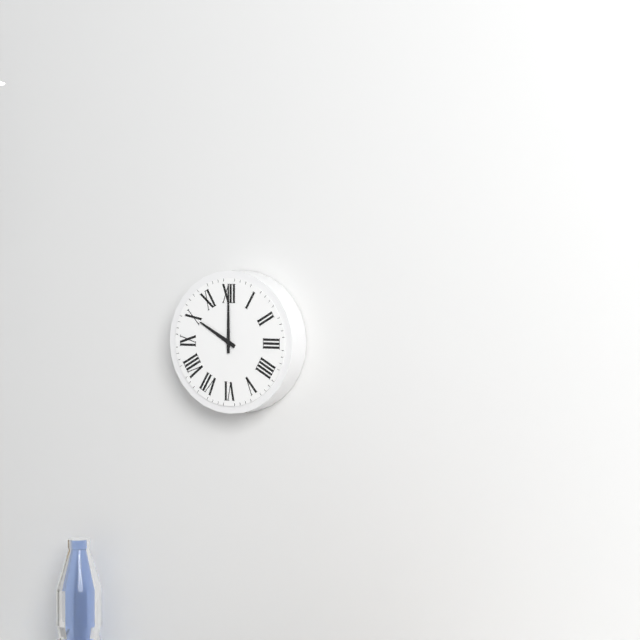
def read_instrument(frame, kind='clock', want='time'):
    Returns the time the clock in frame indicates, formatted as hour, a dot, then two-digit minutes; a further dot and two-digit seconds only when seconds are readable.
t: 10.00
